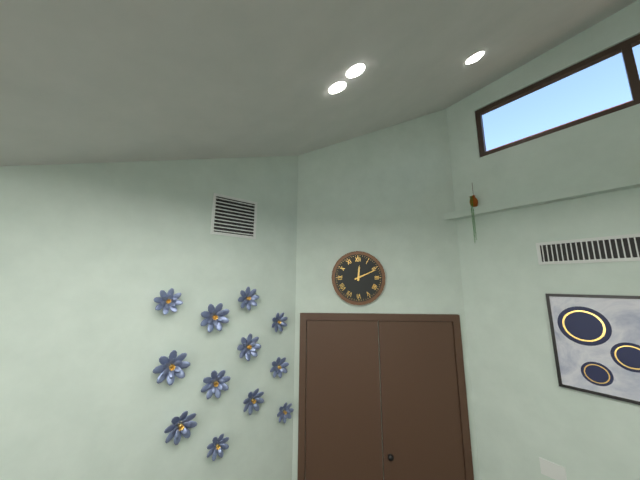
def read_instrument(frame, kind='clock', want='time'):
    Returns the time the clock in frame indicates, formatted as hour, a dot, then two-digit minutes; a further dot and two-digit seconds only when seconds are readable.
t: 12.11
